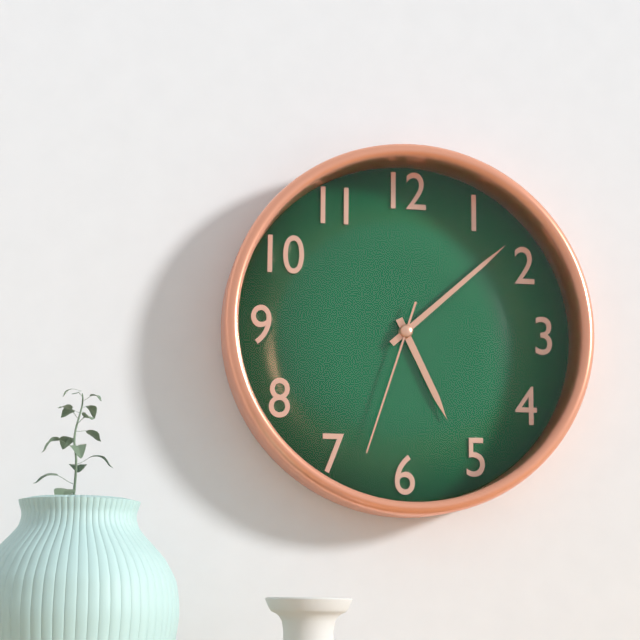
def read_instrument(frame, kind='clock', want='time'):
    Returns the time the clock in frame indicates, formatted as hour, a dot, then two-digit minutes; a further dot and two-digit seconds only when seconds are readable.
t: 5.08.33
